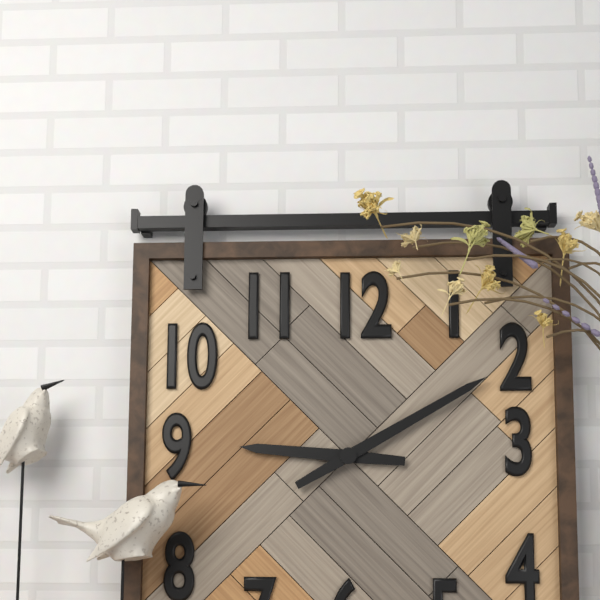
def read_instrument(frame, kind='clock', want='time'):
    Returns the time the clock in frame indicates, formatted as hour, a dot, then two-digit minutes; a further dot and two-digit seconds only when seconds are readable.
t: 9.10
